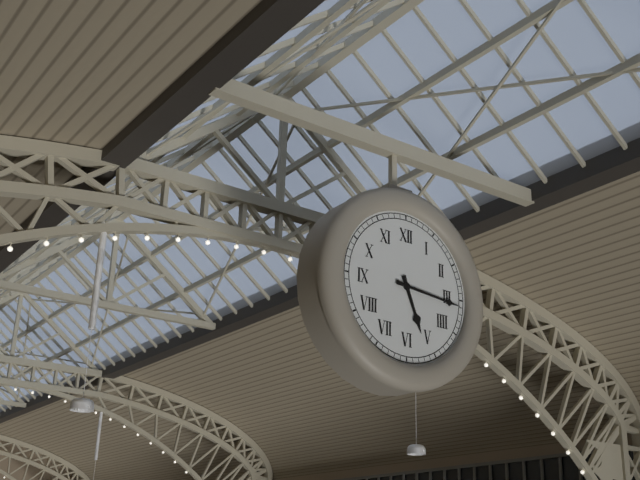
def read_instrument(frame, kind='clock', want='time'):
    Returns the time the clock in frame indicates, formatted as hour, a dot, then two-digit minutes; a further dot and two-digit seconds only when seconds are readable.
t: 5.16
